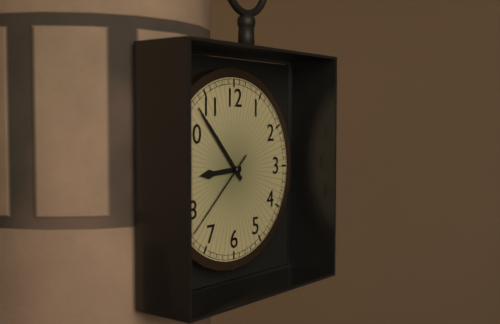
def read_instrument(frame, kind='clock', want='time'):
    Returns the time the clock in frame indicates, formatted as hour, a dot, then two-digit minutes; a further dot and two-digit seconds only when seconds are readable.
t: 8.53.38
